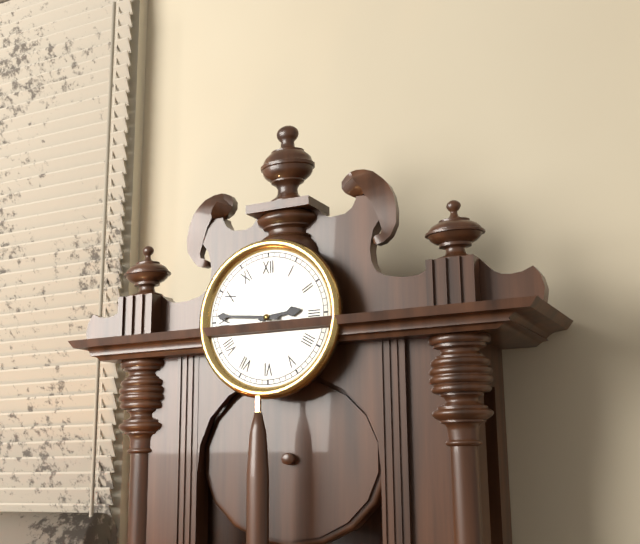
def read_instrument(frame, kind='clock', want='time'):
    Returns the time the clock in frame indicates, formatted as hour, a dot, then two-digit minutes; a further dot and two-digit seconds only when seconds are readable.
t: 2.46
